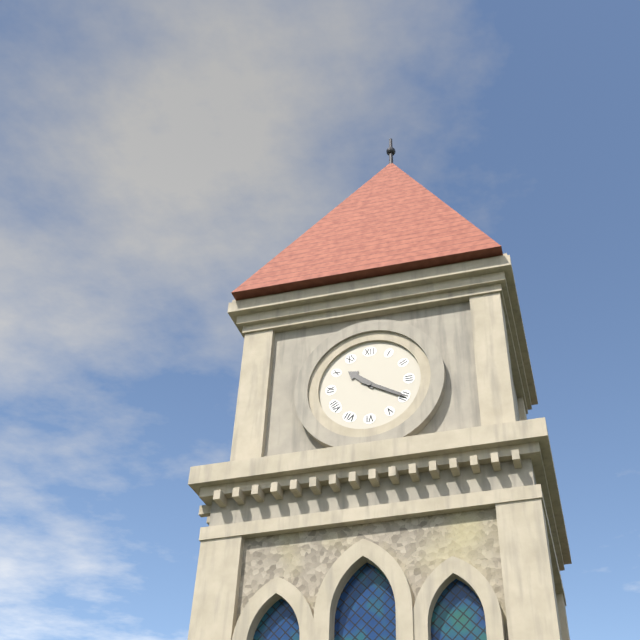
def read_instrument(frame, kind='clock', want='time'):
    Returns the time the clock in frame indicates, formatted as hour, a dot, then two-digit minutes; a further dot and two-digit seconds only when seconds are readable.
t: 10.20
